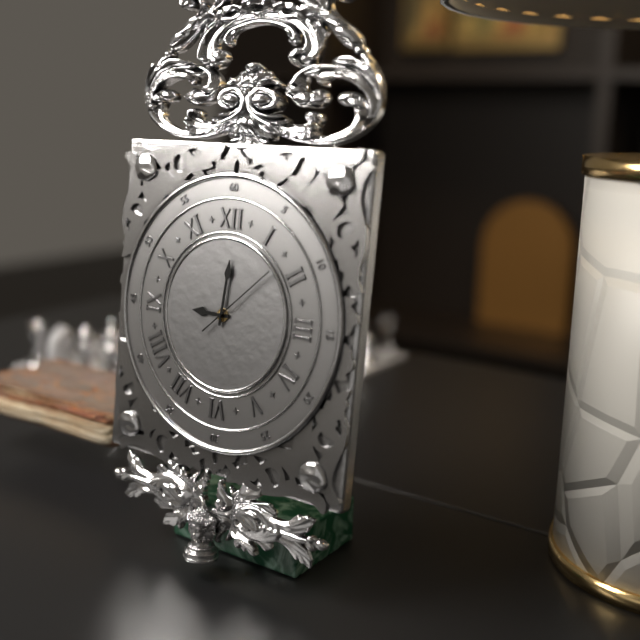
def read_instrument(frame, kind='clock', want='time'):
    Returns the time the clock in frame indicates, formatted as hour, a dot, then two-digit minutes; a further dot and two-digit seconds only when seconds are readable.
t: 9.01.08
